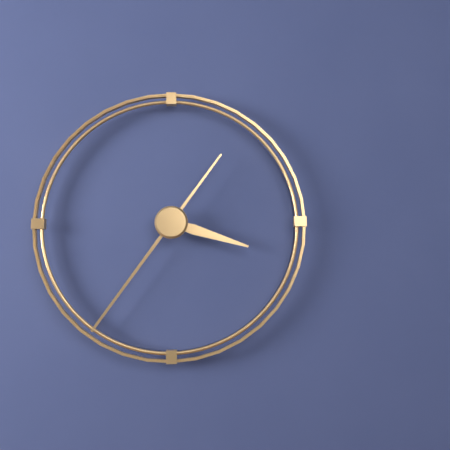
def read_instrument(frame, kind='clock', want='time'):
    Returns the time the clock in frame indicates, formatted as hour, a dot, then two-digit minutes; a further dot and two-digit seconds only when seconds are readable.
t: 3.36
